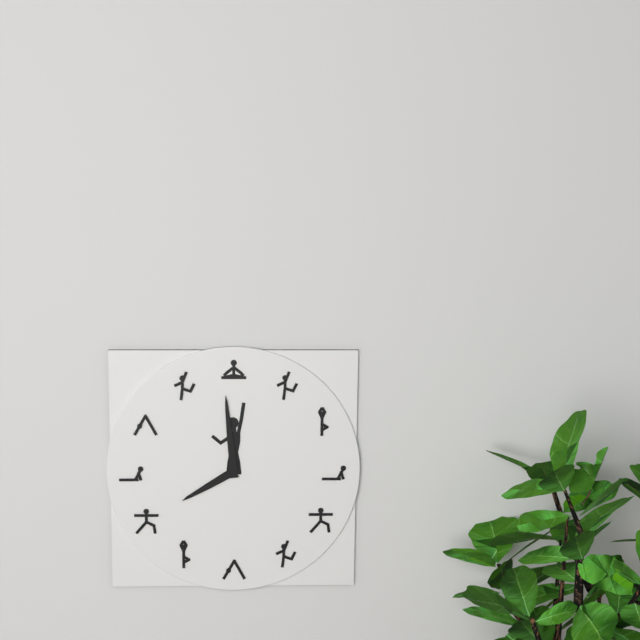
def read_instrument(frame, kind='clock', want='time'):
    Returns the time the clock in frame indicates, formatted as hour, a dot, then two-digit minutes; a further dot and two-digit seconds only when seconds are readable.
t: 7.59
